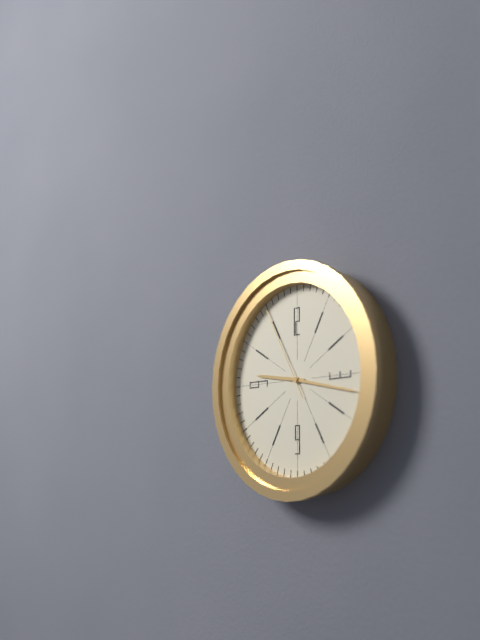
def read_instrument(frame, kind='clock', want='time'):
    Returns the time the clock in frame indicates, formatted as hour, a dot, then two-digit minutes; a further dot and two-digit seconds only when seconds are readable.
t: 9.17.55
